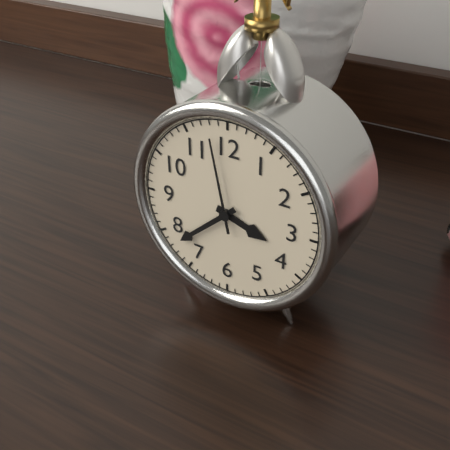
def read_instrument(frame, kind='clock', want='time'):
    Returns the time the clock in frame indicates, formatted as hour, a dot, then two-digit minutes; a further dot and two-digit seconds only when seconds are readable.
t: 3.38.58
